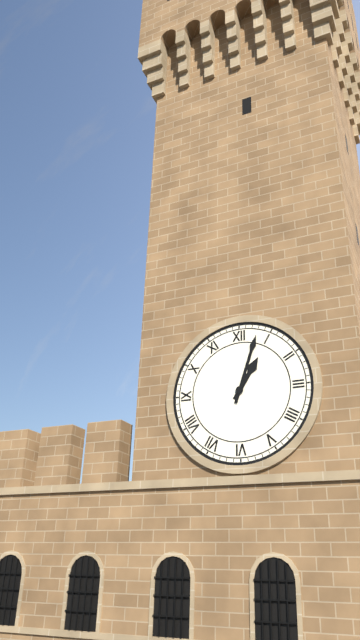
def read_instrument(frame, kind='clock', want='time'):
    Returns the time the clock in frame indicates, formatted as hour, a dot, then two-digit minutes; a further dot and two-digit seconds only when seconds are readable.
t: 1.03
